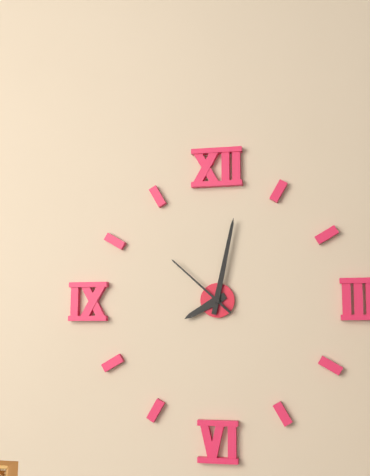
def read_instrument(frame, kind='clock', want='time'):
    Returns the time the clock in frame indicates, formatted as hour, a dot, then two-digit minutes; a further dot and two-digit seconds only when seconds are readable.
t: 8.02.52
